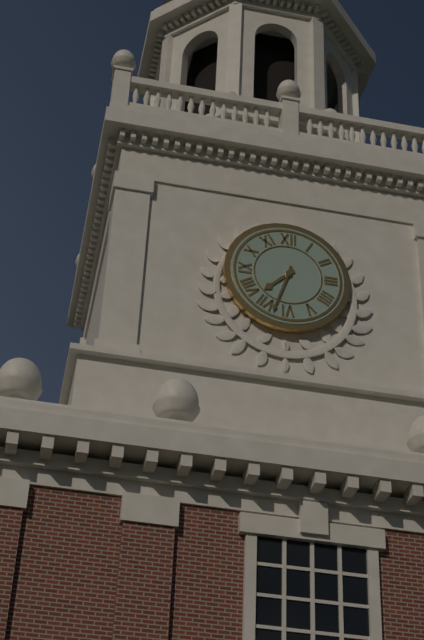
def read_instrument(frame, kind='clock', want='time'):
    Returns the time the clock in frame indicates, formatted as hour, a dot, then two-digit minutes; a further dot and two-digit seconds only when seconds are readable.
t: 7.33
